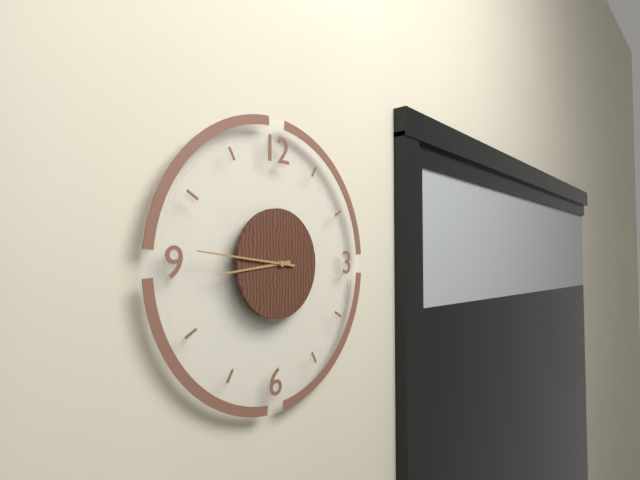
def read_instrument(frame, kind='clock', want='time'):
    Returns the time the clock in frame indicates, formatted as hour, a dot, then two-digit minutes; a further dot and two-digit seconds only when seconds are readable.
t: 8.46
